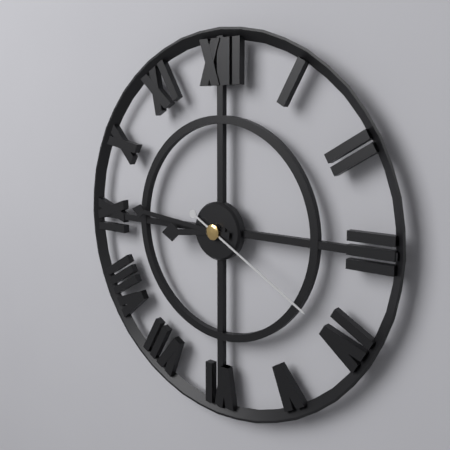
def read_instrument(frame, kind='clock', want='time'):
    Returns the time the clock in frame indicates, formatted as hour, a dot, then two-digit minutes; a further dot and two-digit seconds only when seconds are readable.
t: 8.46.20
